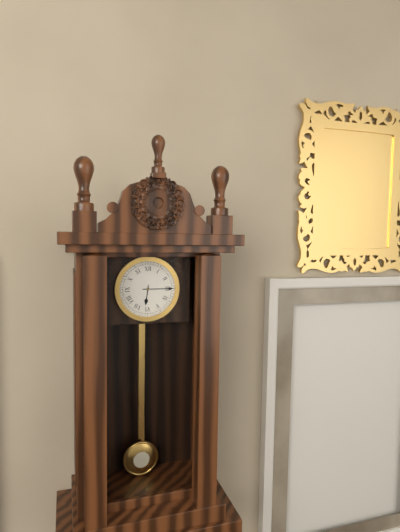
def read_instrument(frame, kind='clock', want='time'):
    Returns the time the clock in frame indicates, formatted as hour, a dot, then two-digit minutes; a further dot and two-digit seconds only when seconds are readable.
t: 6.15
